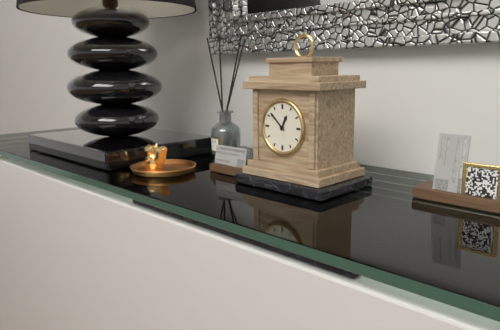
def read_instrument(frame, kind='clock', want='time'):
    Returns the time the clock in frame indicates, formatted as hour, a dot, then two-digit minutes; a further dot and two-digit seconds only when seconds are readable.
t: 12.52
